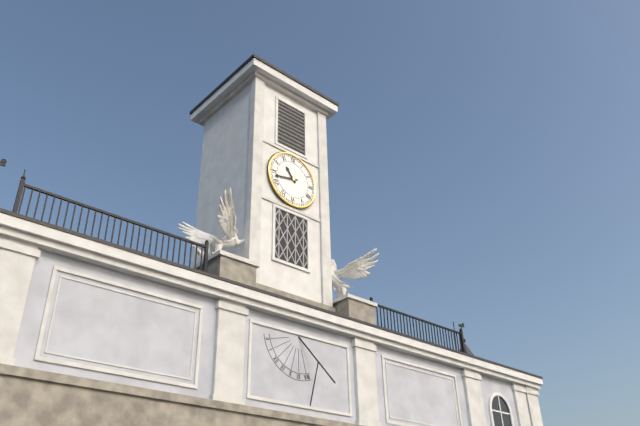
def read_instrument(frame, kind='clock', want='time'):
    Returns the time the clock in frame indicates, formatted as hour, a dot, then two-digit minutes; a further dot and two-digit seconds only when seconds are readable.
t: 10.43
